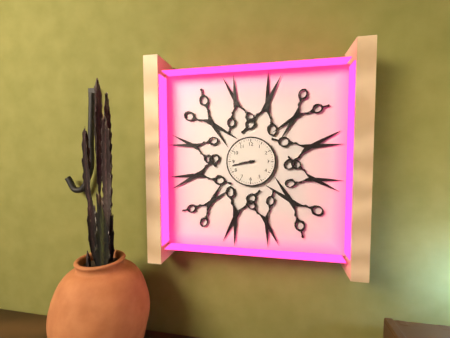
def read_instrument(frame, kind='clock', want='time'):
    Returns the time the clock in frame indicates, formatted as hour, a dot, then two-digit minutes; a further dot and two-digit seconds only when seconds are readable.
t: 8.43
